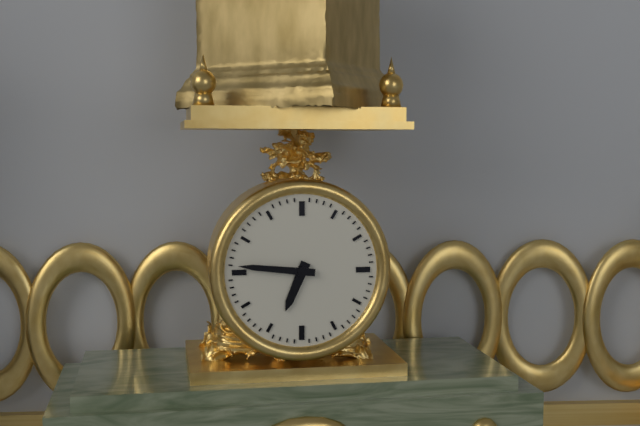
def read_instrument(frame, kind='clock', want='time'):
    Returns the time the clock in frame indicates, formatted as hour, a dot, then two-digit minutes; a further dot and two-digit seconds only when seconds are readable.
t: 6.46
